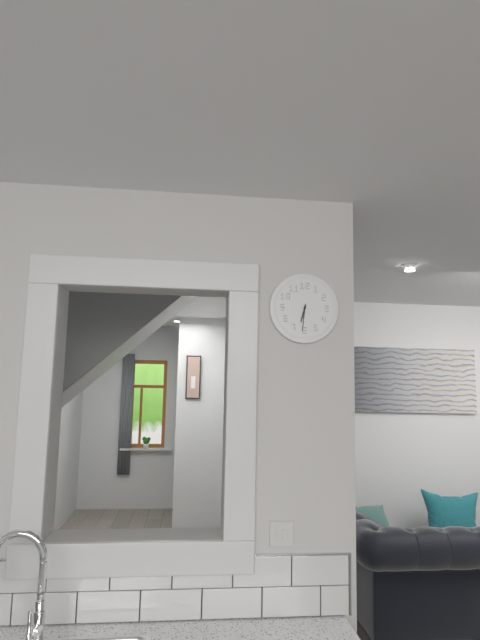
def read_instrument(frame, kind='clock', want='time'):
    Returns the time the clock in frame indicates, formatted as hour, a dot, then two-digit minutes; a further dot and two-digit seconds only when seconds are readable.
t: 6.31
